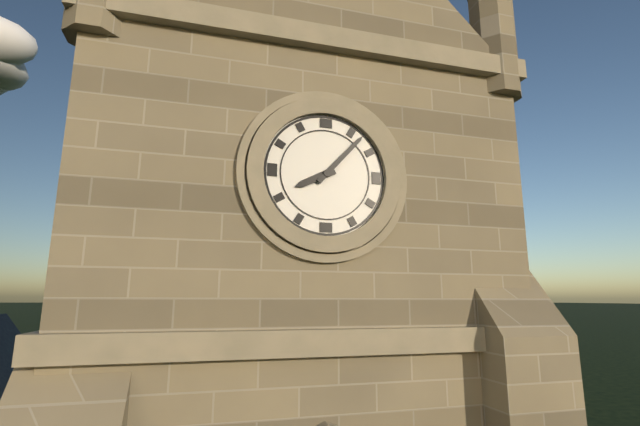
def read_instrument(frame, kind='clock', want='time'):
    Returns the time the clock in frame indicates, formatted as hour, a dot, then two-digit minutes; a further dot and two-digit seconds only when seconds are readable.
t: 8.07
